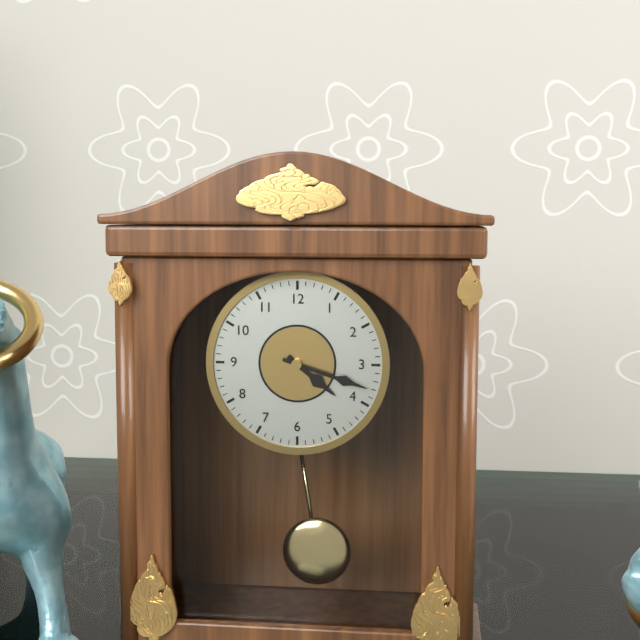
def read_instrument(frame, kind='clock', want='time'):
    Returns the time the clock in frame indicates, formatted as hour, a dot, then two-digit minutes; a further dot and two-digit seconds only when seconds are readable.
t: 4.18
